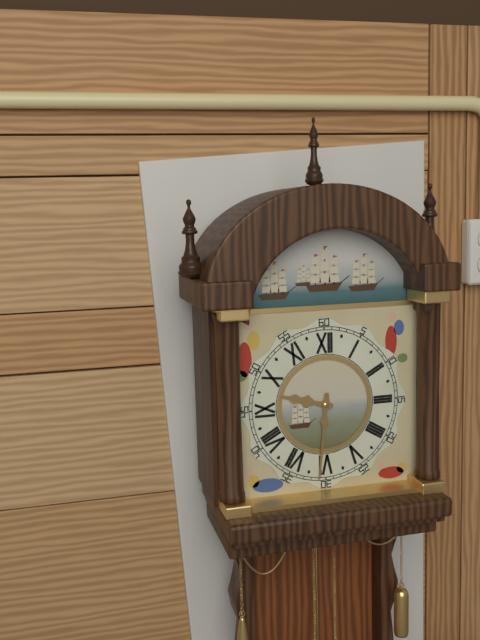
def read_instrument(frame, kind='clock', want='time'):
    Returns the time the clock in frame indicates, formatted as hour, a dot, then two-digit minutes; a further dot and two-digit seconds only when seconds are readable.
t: 9.31
